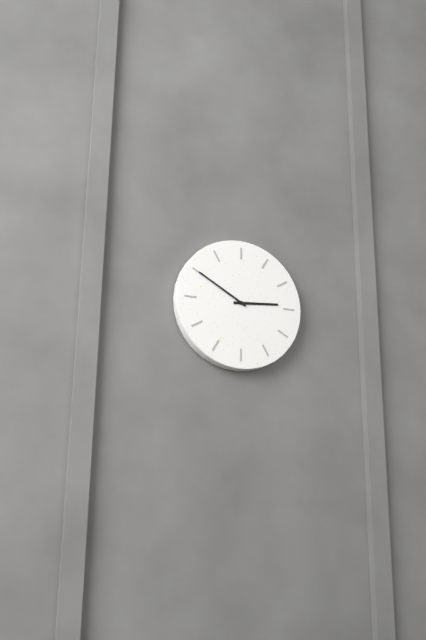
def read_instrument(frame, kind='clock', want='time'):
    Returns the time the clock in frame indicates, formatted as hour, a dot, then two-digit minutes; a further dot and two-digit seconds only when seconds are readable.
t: 2.50
